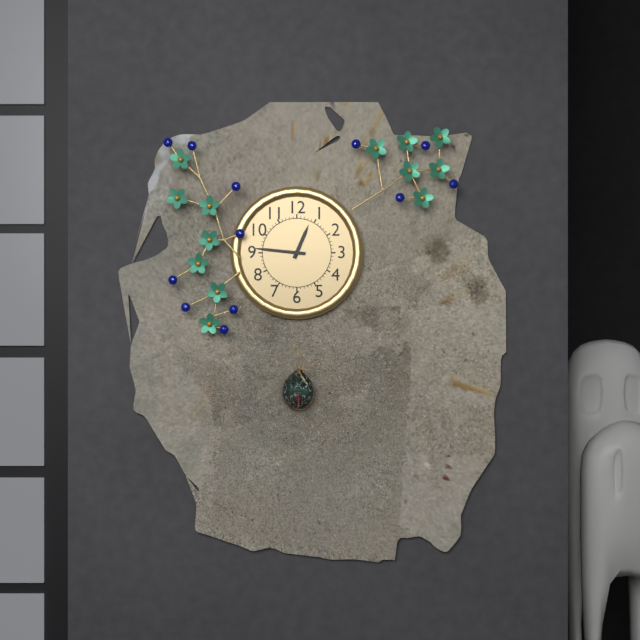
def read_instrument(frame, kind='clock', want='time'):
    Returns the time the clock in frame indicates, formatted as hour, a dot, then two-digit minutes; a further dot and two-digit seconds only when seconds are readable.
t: 12.46
